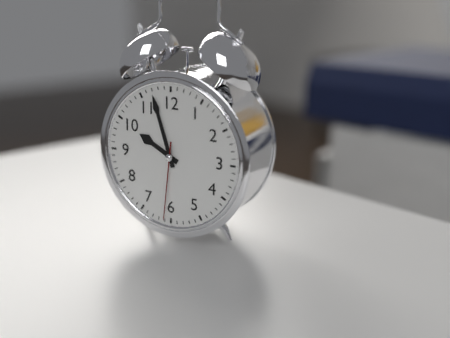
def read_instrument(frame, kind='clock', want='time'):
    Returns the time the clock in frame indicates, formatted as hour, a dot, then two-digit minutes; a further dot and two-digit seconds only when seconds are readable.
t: 9.57.31
